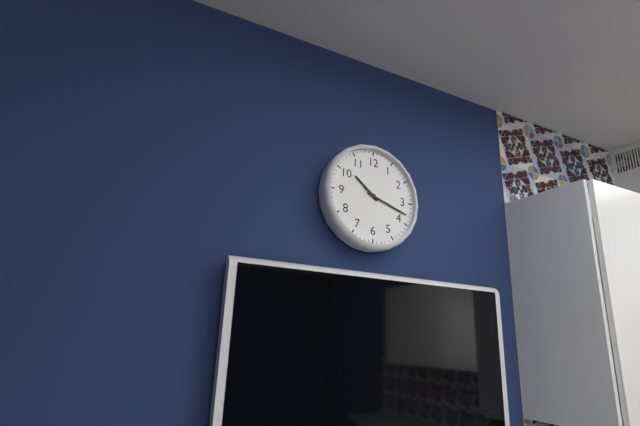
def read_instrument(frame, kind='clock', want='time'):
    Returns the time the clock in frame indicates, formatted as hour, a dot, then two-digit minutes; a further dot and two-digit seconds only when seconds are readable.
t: 10.18
